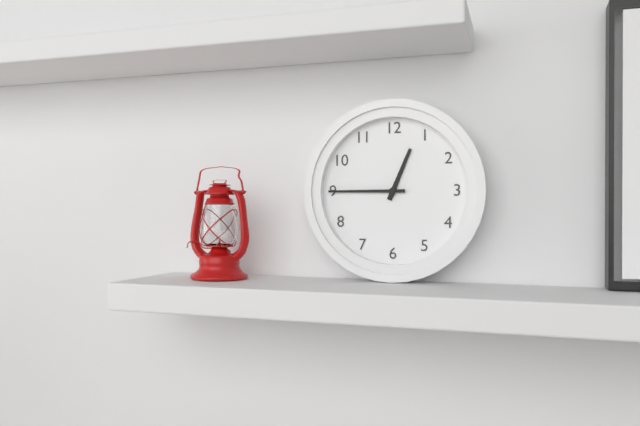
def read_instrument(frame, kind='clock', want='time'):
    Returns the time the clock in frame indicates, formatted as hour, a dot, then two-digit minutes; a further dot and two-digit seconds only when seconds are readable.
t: 12.45
